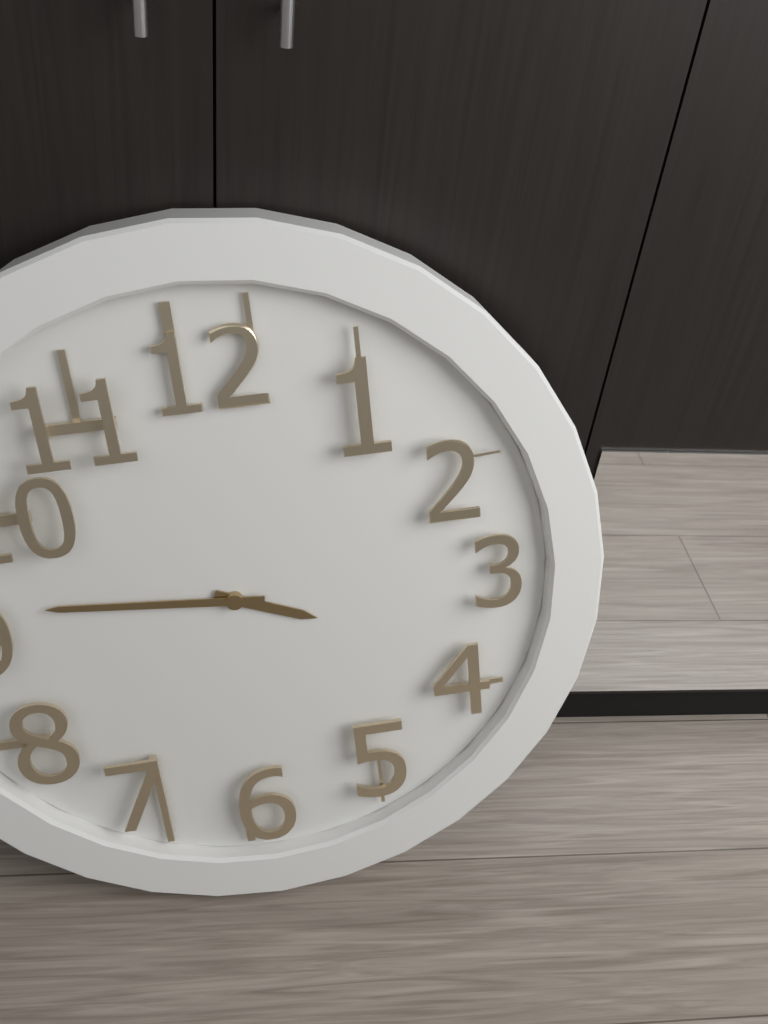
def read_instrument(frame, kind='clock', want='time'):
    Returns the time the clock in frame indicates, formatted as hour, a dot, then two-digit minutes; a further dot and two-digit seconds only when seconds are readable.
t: 3.46
